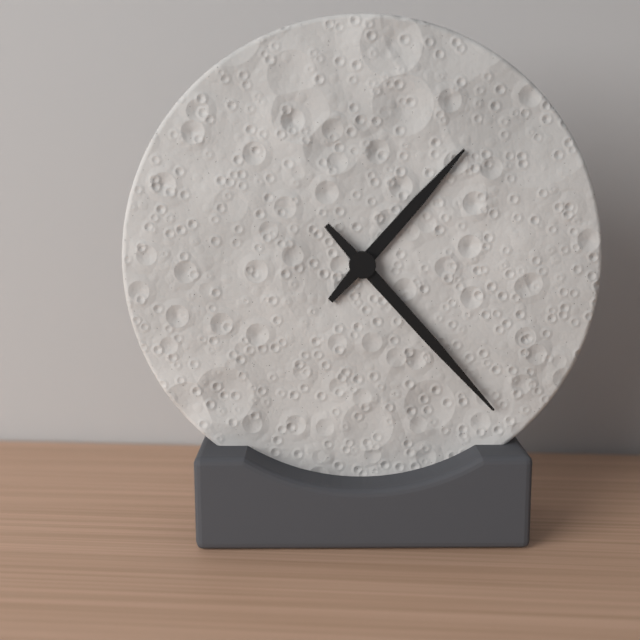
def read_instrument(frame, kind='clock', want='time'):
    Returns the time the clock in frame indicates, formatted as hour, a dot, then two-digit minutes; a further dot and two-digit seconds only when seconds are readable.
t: 1.23
